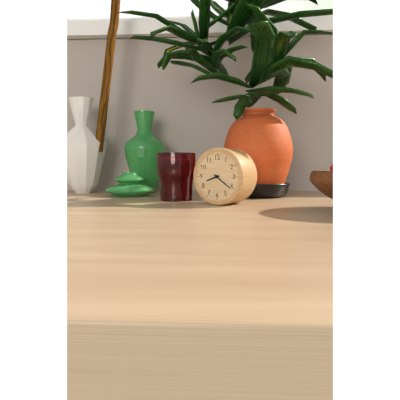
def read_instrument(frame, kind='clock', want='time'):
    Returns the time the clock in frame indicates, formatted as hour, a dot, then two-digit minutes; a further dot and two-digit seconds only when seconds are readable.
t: 8.21
